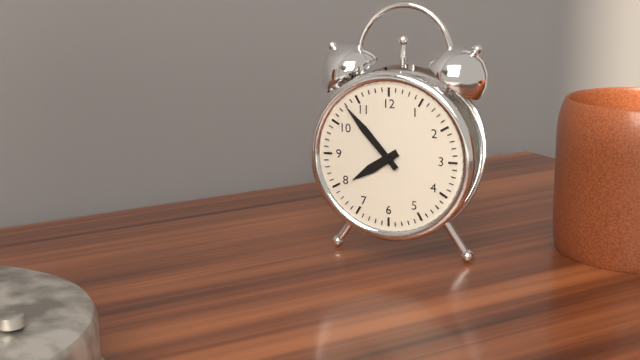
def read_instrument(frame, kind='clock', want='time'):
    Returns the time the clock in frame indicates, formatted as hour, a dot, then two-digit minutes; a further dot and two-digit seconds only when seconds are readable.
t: 7.53
